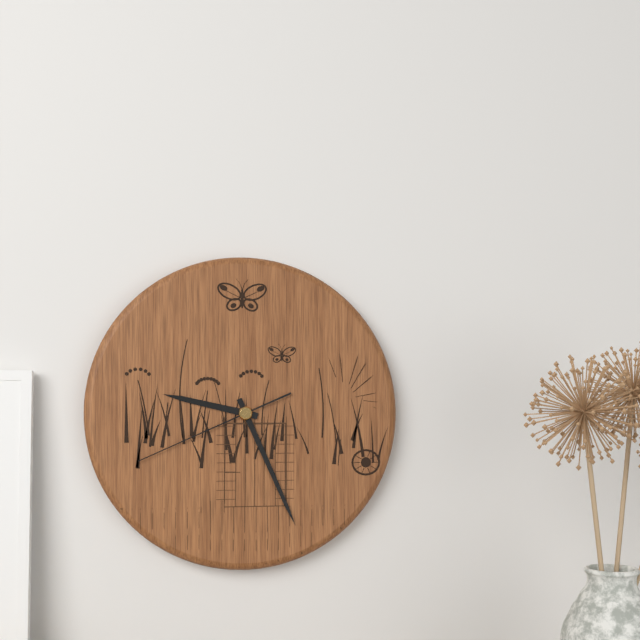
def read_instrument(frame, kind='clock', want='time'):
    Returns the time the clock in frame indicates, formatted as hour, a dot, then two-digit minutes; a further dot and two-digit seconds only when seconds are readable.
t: 9.26.41
